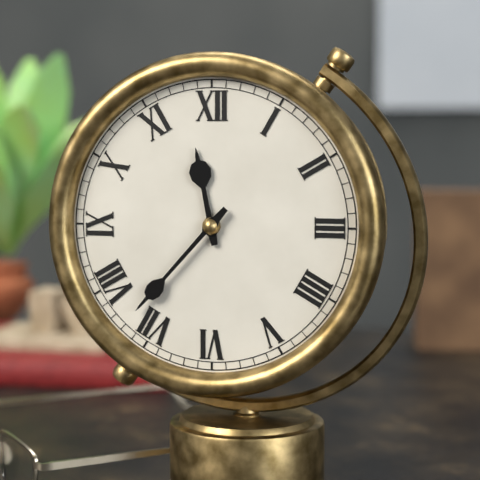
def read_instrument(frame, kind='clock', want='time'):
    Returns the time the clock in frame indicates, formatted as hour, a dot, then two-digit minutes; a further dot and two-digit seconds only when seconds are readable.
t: 11.37
